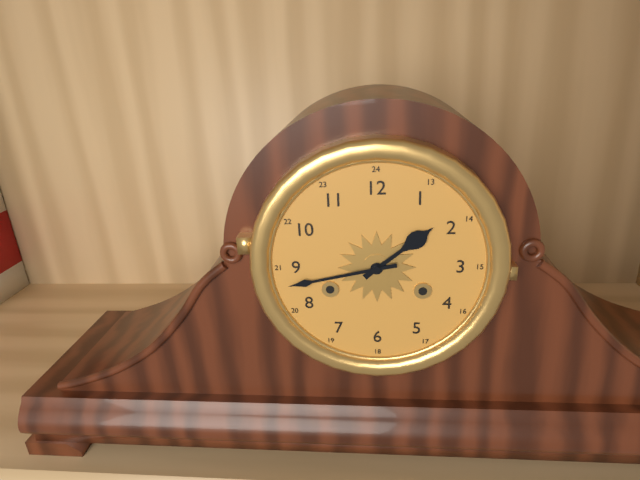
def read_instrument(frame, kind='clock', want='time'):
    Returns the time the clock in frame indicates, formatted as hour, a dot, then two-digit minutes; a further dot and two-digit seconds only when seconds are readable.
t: 1.43
